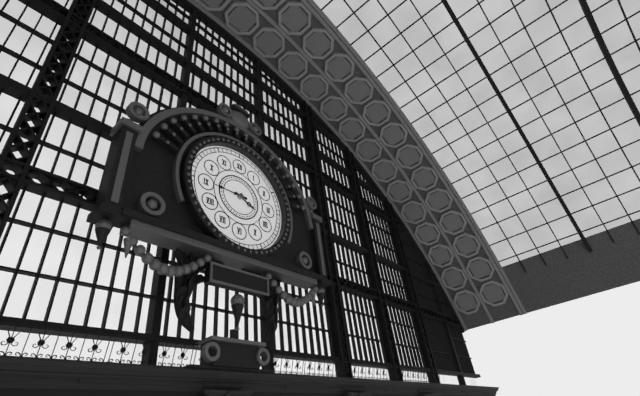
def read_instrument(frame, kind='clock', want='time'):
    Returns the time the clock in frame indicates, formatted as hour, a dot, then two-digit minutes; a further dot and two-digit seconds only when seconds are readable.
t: 3.45
